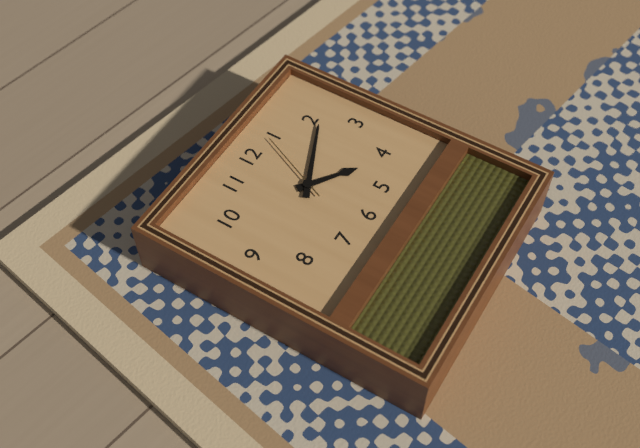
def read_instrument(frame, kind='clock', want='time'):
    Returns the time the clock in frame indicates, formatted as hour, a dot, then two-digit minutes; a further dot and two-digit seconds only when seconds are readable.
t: 4.11.04
